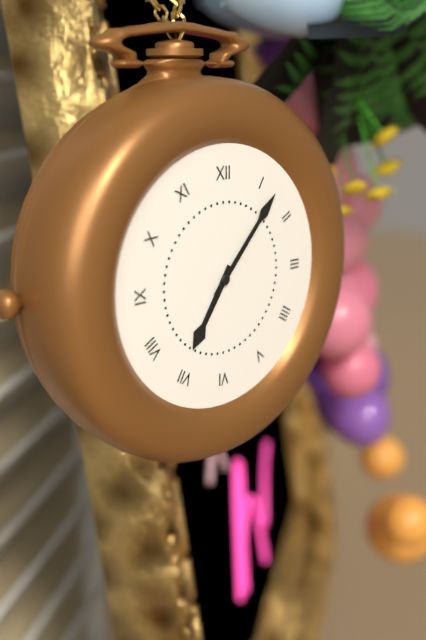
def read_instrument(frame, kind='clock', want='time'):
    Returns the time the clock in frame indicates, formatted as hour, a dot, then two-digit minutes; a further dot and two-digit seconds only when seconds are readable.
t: 7.07
